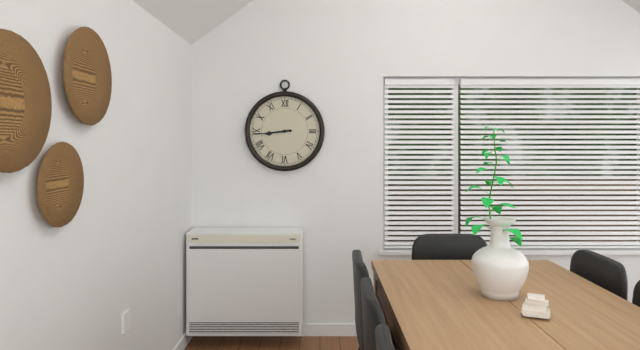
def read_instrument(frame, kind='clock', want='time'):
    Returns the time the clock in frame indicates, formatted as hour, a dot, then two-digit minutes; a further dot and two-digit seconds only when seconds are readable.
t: 8.44
